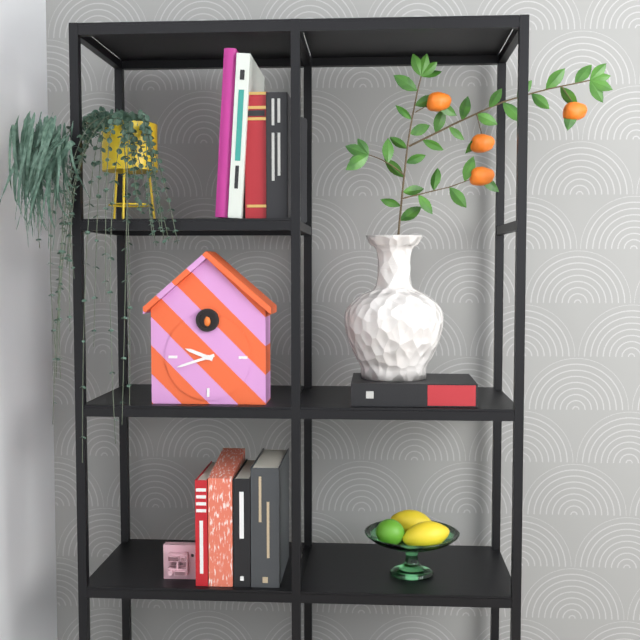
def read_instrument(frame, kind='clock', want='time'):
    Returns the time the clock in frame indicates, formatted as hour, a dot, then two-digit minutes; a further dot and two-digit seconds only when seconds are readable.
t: 9.42
